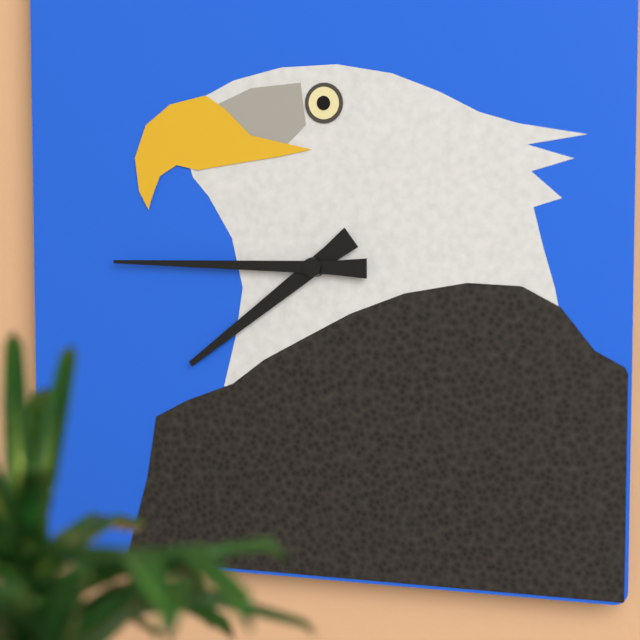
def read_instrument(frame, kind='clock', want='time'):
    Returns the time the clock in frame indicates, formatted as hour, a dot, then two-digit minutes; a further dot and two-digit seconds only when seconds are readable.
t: 7.45
